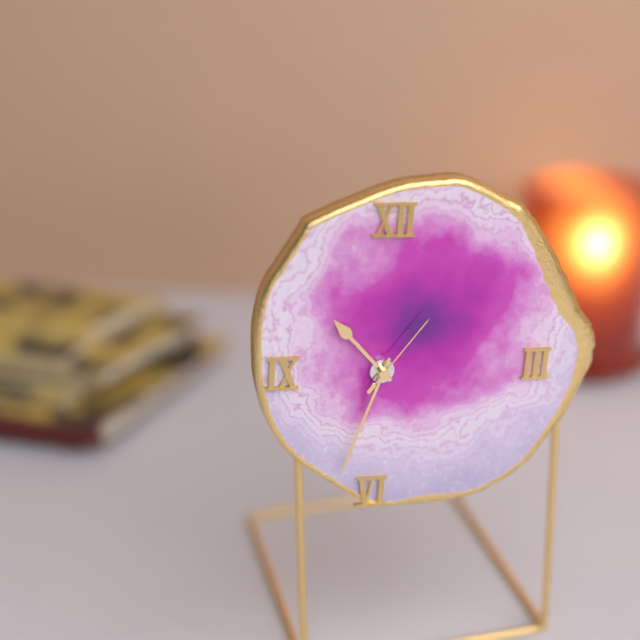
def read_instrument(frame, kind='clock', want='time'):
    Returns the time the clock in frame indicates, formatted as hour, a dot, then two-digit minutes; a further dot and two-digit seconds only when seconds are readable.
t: 10.33.06
